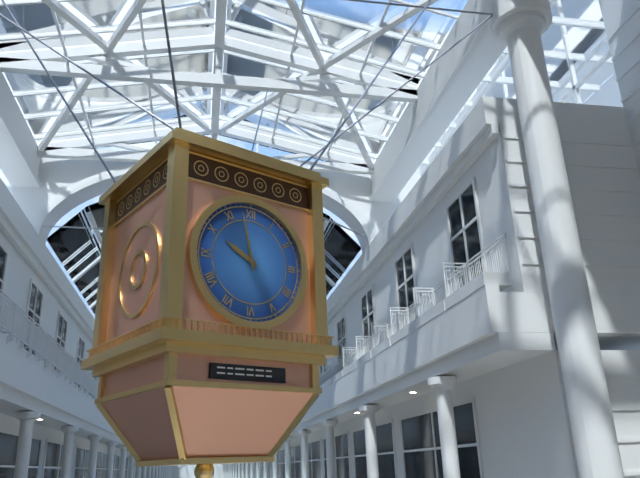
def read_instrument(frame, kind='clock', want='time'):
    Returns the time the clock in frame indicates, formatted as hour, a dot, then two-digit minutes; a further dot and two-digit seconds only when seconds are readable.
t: 9.58
